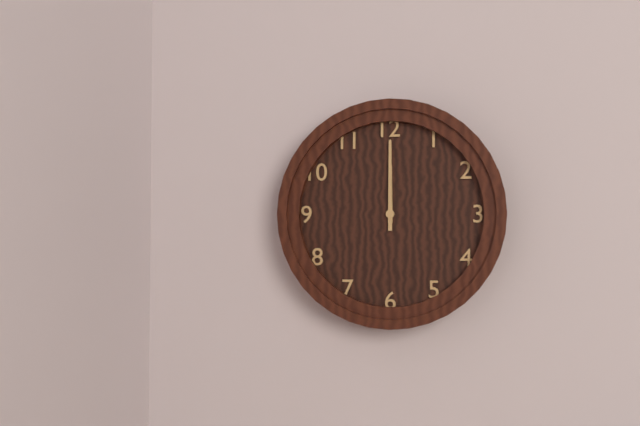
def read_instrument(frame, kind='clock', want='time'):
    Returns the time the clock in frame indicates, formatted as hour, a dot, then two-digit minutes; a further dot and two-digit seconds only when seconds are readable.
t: 12.00
